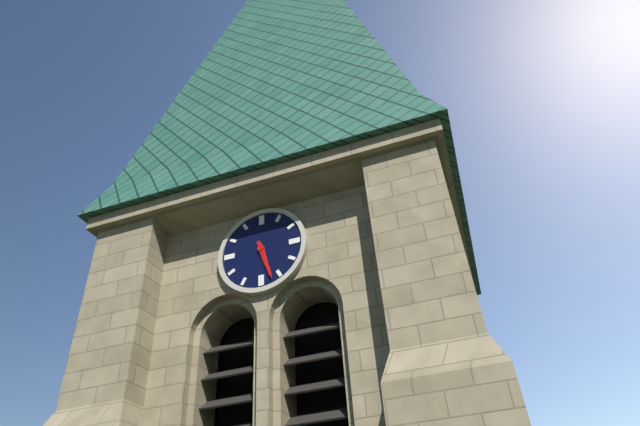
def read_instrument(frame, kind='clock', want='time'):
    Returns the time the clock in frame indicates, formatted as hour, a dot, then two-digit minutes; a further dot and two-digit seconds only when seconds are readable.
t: 5.27
